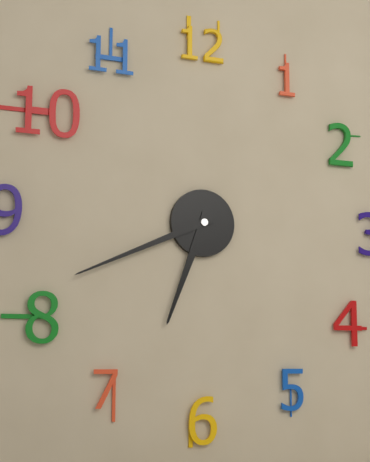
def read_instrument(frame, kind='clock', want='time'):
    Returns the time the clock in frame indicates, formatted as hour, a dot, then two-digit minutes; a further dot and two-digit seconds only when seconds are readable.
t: 6.41
